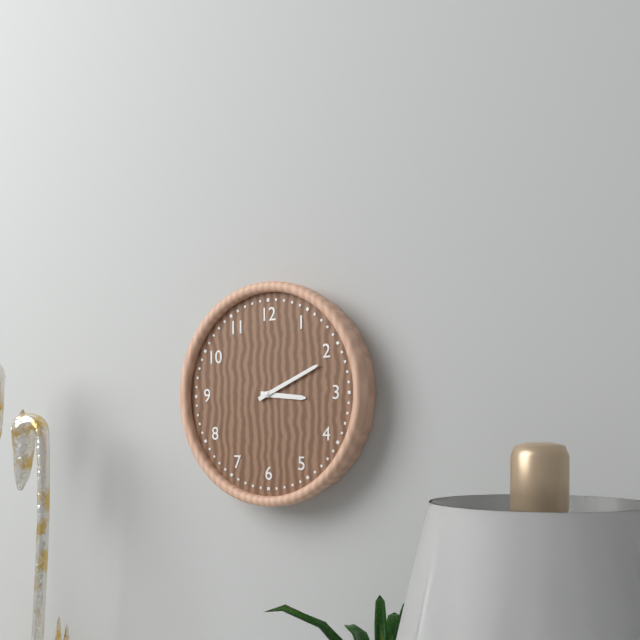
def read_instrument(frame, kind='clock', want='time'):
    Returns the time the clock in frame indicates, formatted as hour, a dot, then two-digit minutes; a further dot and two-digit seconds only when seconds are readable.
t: 3.11
